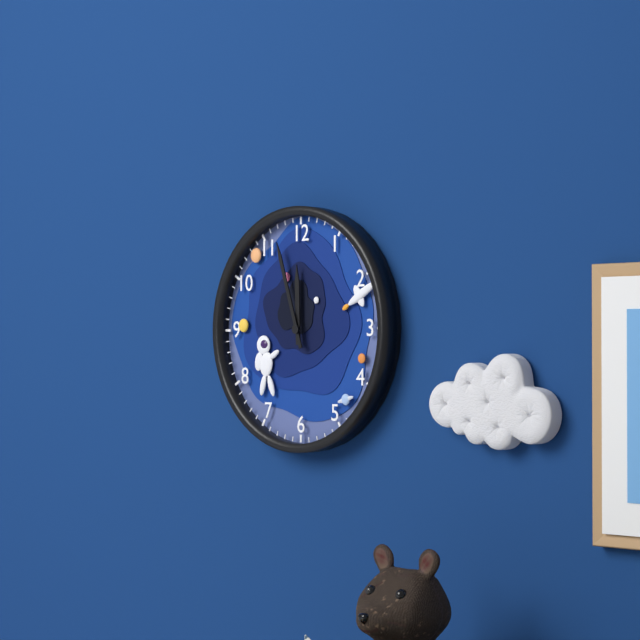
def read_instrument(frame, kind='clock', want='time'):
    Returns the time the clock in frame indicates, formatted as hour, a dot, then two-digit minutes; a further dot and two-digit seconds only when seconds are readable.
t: 11.57
